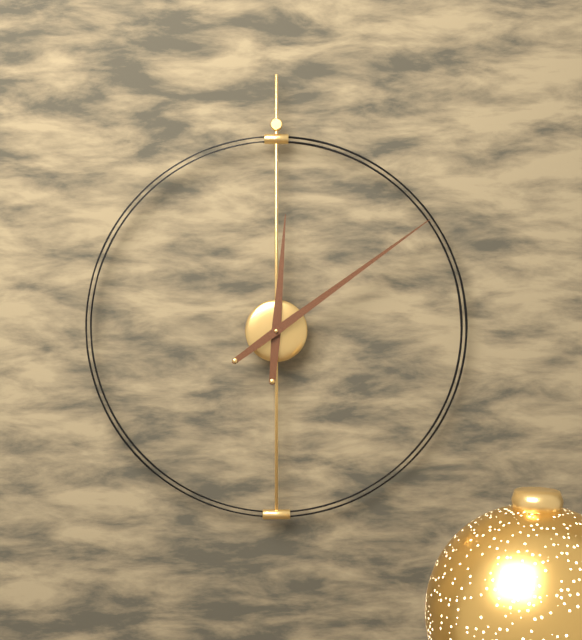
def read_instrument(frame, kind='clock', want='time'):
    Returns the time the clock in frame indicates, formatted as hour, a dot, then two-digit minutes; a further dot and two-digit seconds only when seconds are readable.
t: 12.09
